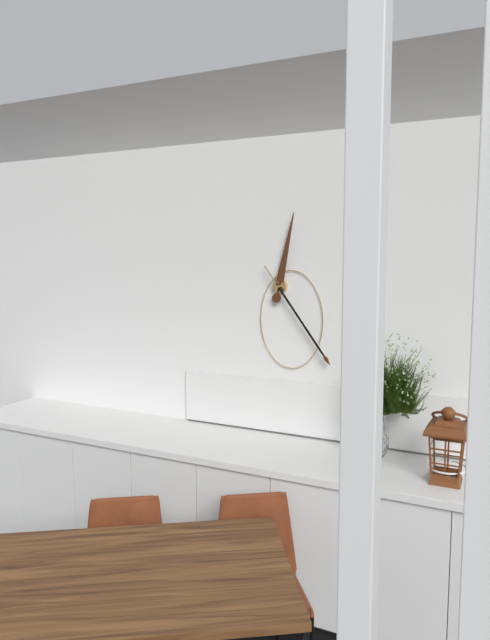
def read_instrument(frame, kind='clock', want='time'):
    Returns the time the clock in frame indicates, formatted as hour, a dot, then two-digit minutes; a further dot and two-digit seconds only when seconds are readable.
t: 12.24
